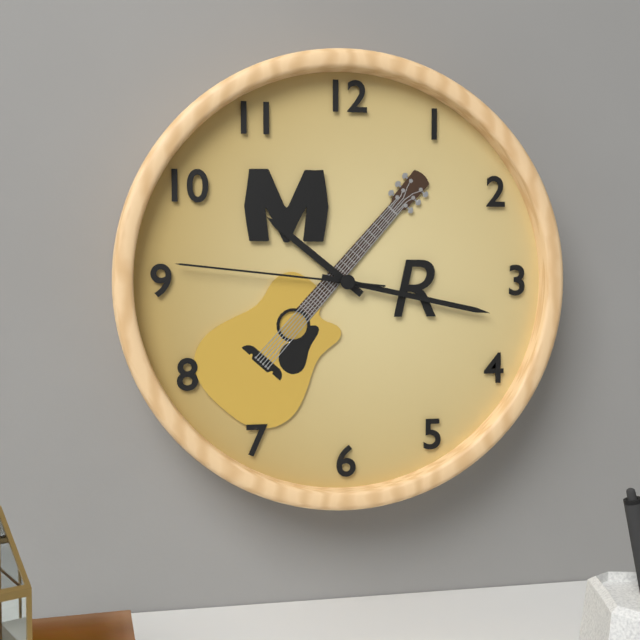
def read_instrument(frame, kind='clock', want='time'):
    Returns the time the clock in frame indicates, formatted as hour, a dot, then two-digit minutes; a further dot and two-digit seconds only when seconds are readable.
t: 10.17.46
